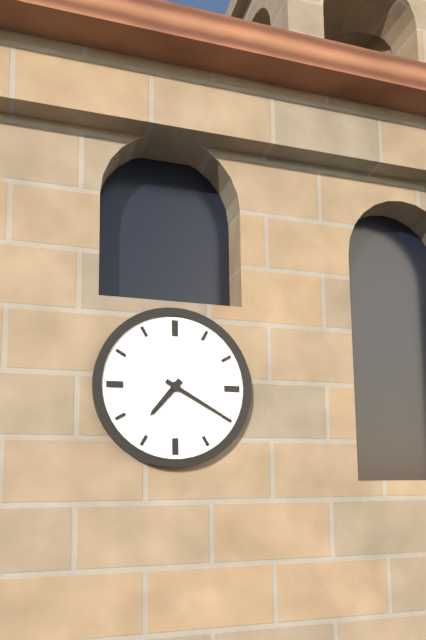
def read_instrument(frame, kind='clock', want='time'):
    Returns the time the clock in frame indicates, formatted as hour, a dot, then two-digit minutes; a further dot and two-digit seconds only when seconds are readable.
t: 7.20
